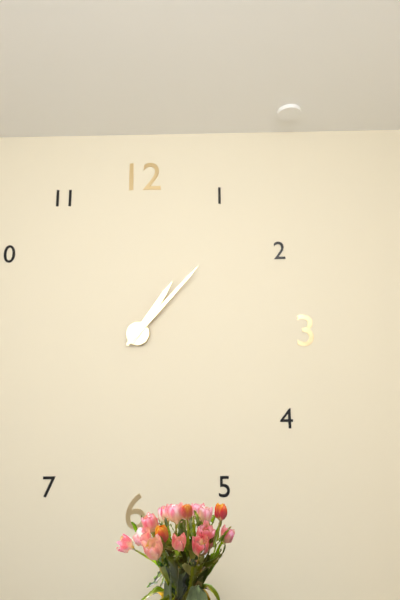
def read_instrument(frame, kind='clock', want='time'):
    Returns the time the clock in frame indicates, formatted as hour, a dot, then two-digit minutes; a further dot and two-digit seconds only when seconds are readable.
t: 1.07
